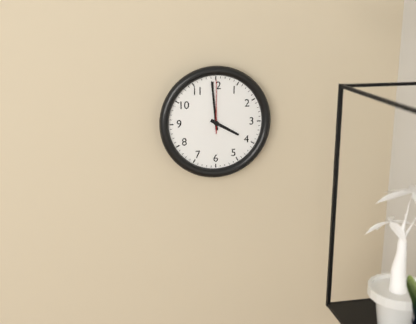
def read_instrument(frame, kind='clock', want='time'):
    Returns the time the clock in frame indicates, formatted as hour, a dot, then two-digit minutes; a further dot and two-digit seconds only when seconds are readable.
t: 3.59.00
